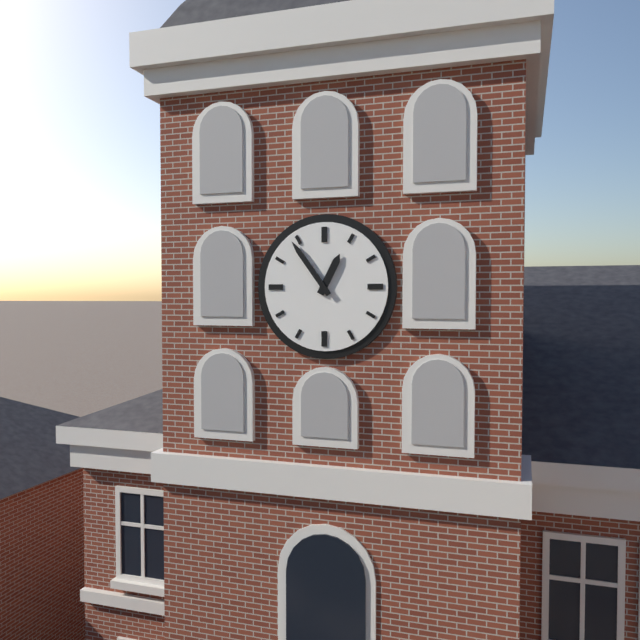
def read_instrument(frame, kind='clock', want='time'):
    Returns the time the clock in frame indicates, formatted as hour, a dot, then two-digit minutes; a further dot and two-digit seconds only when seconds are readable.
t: 12.54
